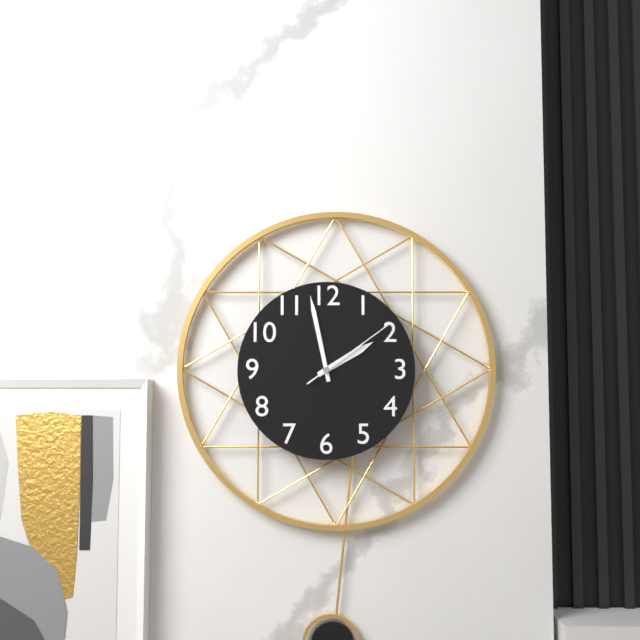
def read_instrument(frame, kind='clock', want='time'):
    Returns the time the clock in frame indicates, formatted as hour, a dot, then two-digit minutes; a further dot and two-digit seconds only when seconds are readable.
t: 1.58.09
